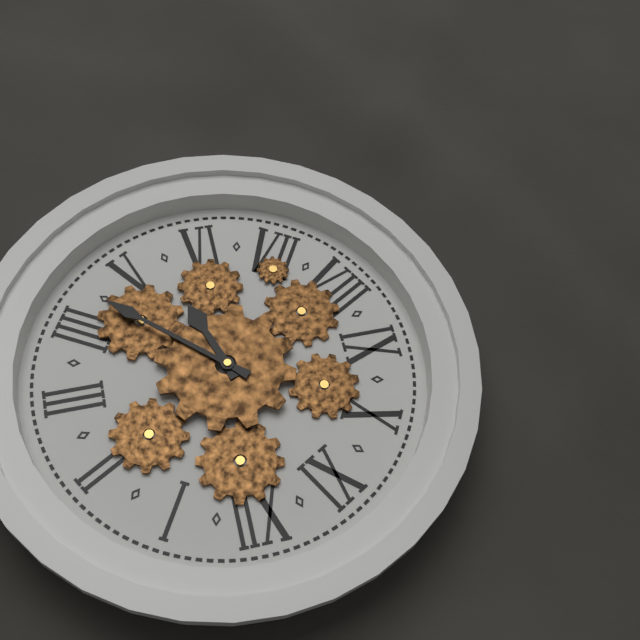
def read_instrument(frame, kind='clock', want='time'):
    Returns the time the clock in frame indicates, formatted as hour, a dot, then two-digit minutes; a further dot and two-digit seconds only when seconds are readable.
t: 5.22
